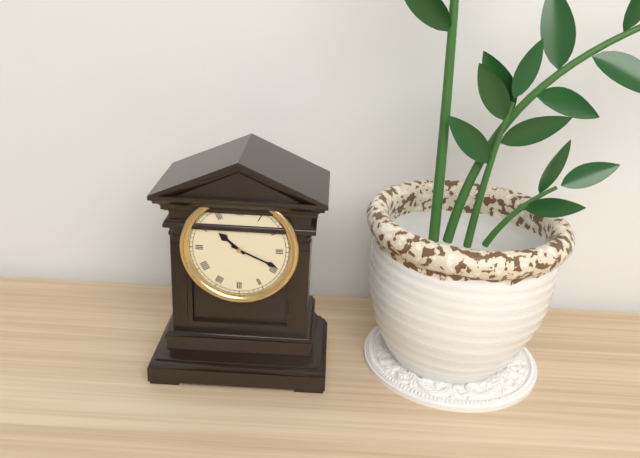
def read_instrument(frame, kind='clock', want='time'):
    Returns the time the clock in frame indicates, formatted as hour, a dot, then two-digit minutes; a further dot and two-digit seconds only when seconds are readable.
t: 10.19
